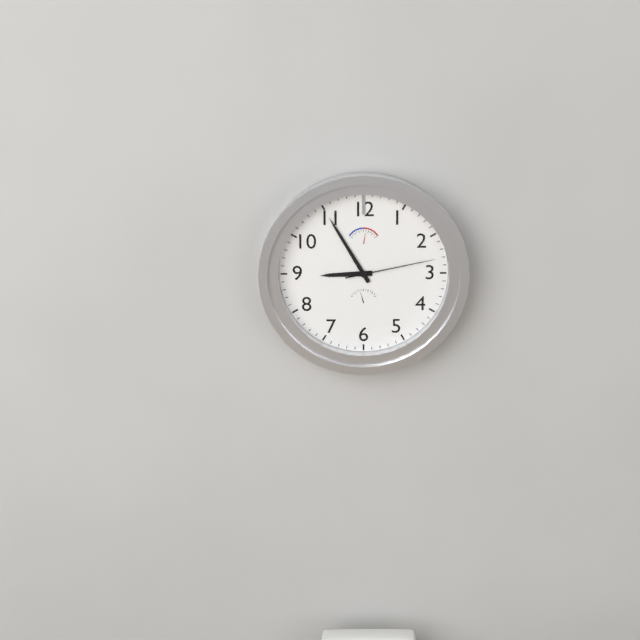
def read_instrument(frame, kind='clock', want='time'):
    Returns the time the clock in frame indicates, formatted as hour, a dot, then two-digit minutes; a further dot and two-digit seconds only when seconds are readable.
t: 8.55.13
